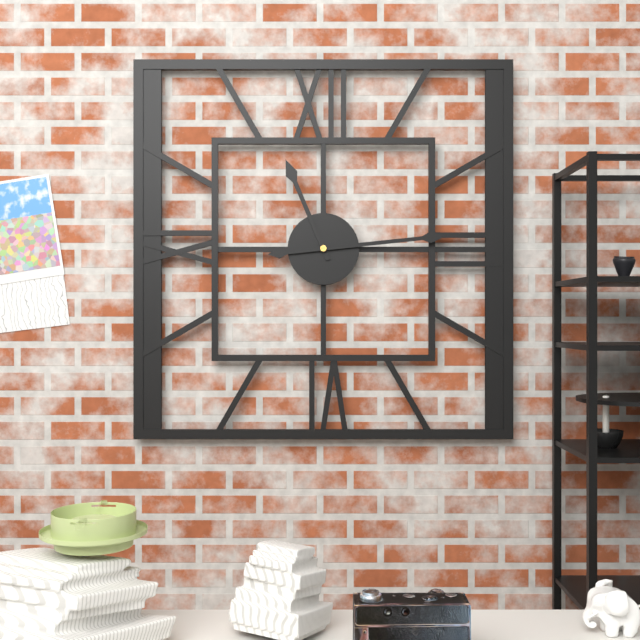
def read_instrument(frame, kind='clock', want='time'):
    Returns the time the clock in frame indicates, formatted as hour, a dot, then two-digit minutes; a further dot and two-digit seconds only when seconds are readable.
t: 11.14
